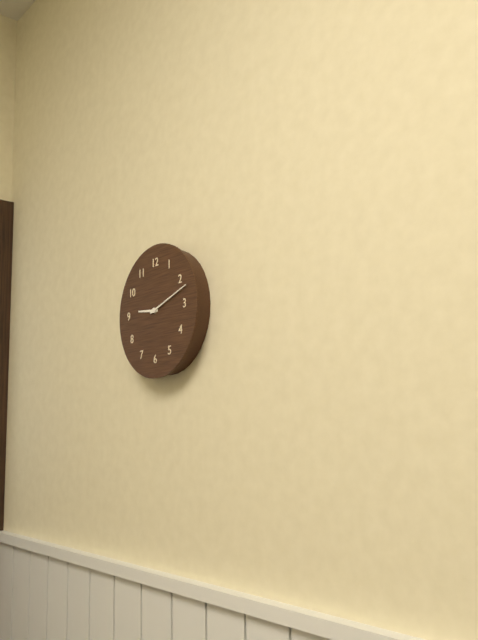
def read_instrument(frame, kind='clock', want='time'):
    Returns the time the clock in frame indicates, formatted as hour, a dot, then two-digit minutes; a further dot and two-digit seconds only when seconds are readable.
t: 9.12
